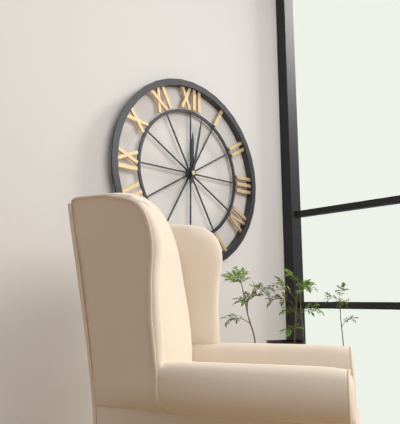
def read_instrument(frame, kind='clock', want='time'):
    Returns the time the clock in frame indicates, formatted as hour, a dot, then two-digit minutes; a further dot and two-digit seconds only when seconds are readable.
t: 12.02
